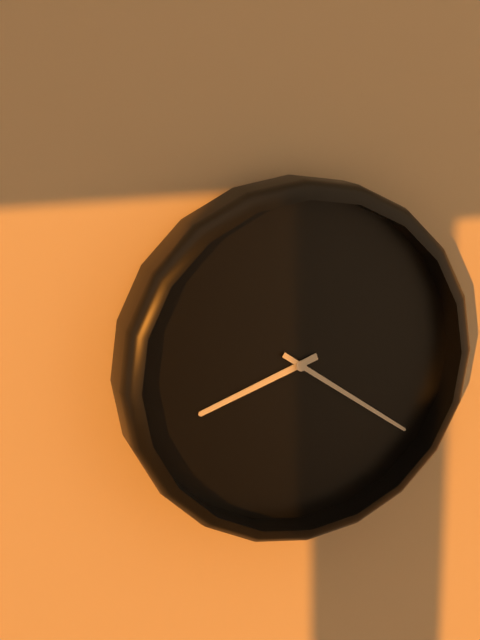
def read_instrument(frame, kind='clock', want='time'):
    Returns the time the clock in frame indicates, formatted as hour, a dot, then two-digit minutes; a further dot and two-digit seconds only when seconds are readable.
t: 8.21
